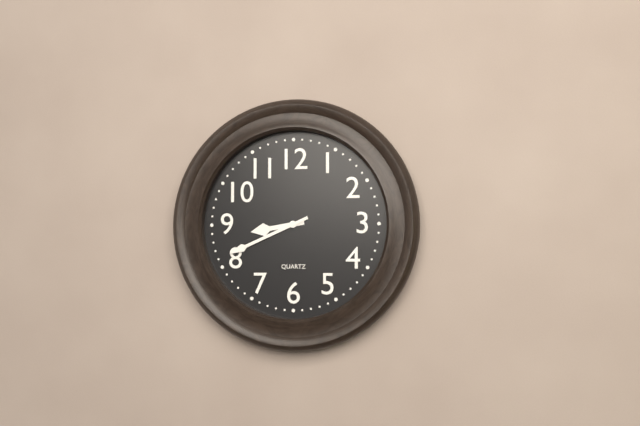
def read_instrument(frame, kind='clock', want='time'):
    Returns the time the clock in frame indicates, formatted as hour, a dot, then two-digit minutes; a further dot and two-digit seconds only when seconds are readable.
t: 8.41
